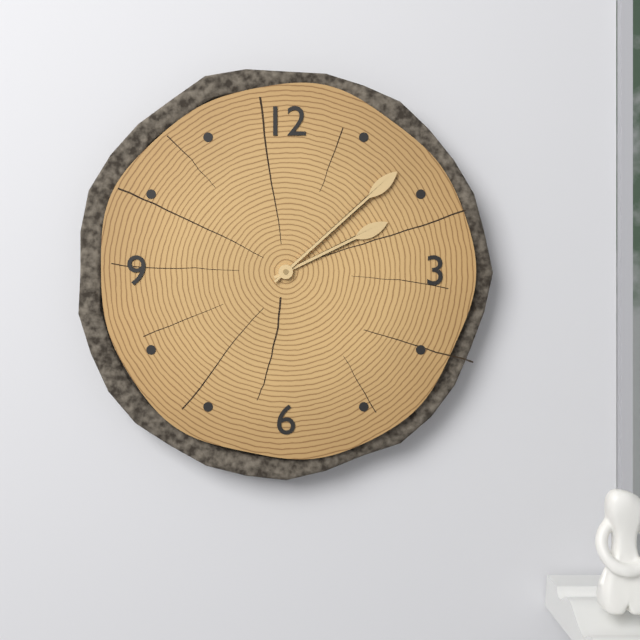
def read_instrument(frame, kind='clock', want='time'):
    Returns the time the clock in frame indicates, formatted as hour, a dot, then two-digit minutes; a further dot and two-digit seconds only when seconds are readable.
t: 2.08
